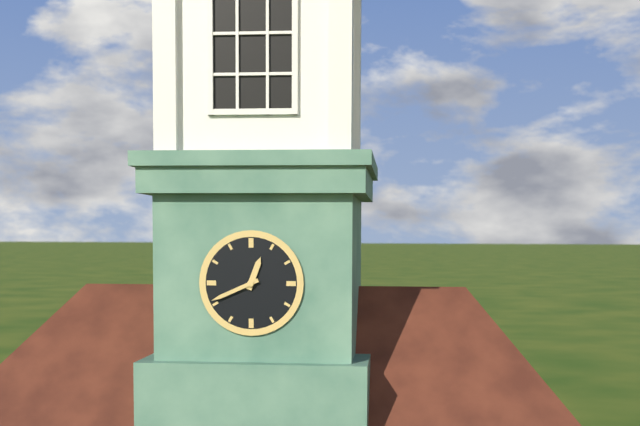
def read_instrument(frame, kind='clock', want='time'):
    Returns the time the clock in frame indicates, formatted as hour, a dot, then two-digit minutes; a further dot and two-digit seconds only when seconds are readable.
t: 12.41
